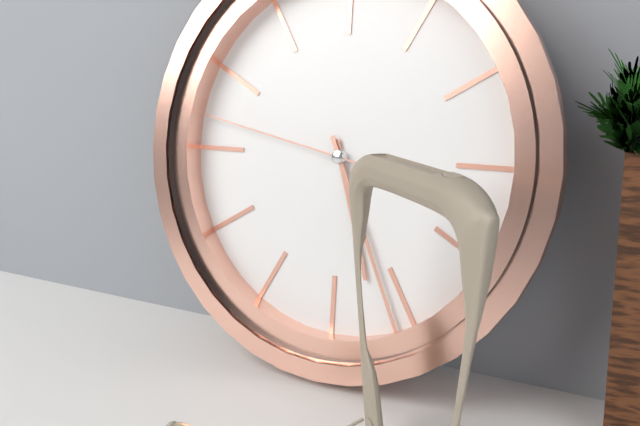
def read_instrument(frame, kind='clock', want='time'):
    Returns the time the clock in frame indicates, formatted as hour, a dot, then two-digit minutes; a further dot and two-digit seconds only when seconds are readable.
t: 5.26.47
